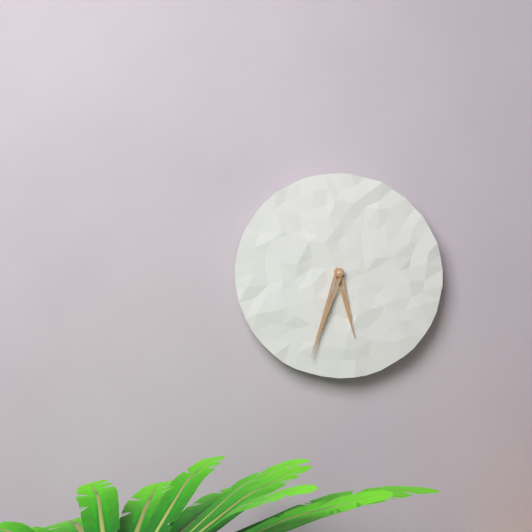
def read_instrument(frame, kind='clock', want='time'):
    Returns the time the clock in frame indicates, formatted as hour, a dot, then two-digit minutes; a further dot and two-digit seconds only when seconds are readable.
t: 5.33
